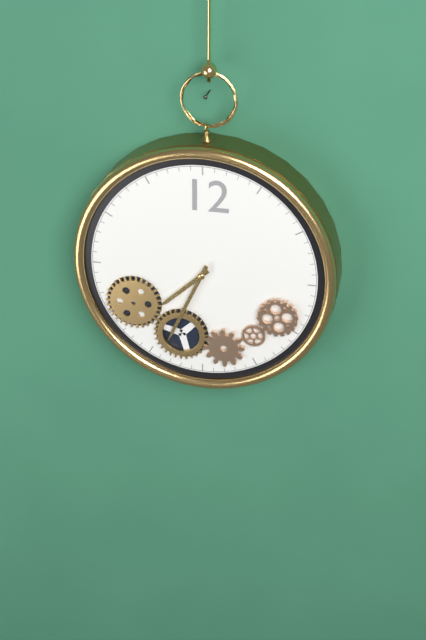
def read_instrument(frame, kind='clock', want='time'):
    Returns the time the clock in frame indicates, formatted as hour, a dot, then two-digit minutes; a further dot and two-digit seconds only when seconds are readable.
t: 7.34
